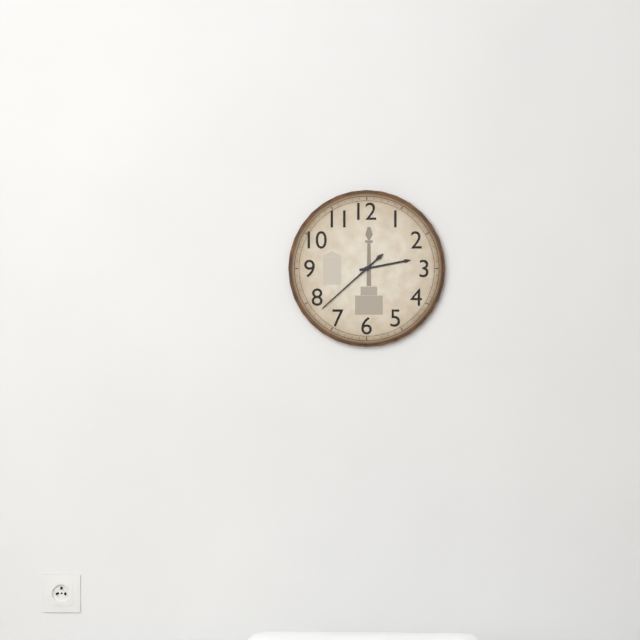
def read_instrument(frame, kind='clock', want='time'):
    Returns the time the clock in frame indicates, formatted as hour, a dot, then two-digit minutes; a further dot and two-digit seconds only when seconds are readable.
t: 2.38
